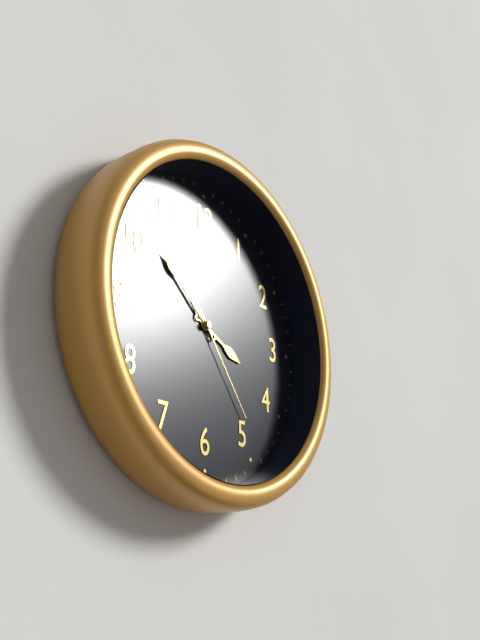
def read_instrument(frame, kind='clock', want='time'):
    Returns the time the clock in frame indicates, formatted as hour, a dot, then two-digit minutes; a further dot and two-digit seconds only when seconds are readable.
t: 3.52.24
